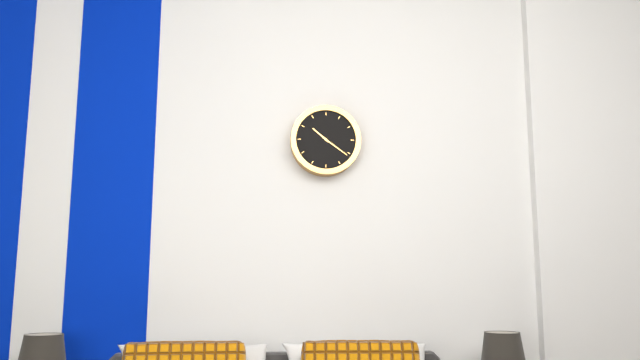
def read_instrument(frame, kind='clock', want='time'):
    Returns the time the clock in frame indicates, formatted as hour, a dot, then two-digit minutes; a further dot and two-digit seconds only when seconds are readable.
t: 10.21
